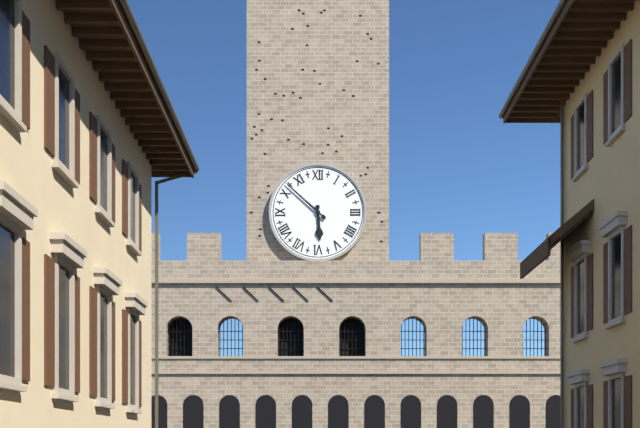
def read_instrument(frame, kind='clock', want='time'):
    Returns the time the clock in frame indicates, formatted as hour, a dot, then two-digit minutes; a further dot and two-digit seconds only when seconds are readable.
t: 5.52
